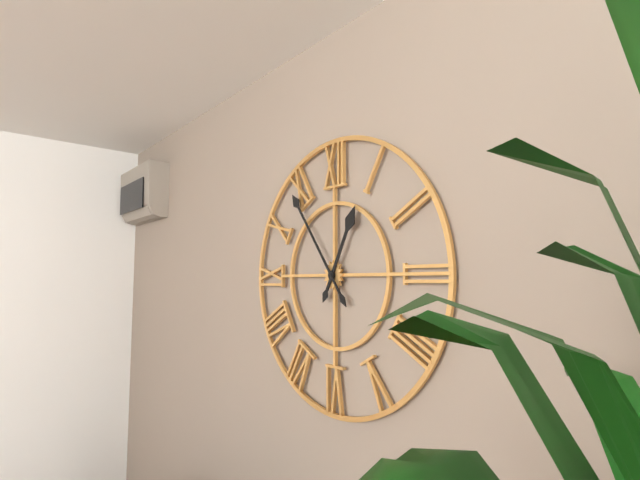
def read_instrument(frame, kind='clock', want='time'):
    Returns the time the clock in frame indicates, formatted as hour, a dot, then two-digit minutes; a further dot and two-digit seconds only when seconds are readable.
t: 12.54
